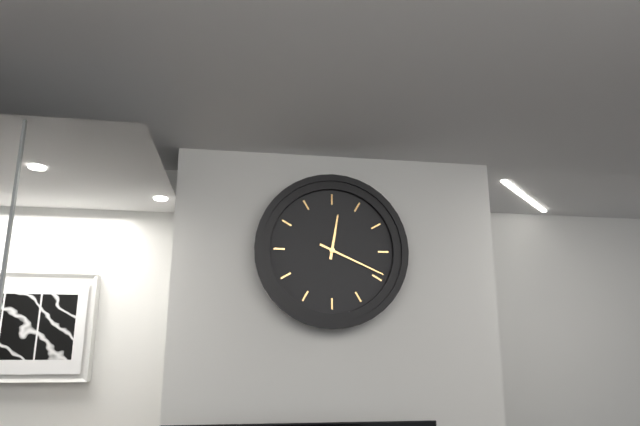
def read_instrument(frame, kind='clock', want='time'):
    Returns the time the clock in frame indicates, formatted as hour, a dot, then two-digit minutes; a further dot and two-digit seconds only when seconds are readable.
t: 12.19
